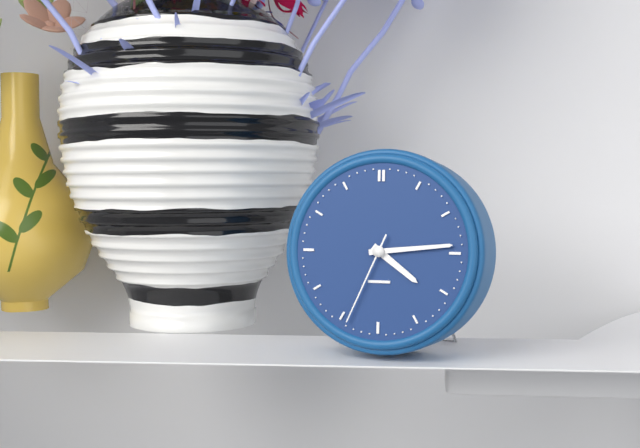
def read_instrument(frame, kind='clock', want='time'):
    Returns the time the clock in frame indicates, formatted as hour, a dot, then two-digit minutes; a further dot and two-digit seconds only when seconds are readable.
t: 4.14.34
